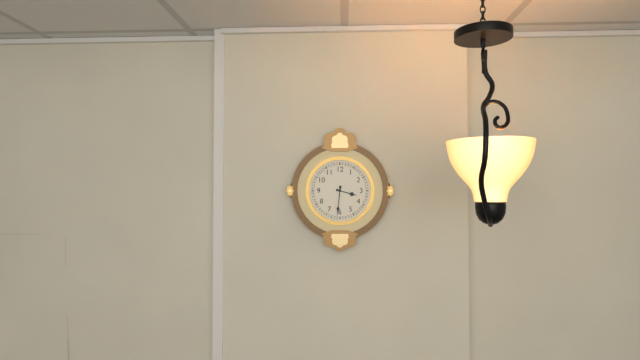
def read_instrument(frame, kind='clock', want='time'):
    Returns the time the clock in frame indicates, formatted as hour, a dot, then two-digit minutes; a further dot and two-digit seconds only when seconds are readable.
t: 3.31
